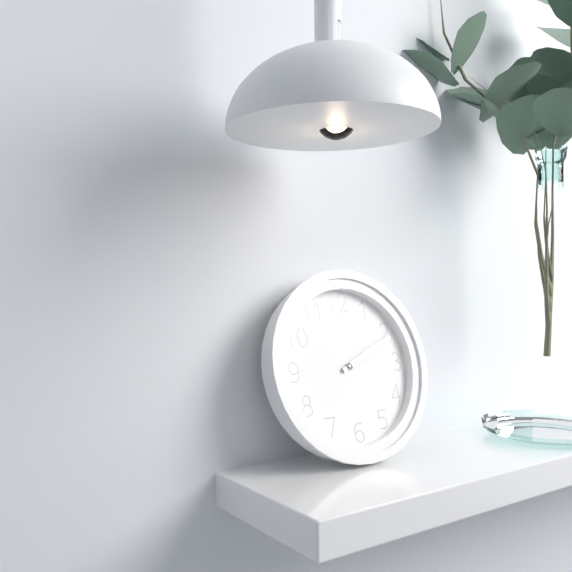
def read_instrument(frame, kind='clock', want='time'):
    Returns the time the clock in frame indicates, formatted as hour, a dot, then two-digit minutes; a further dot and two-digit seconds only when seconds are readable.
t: 2.11
